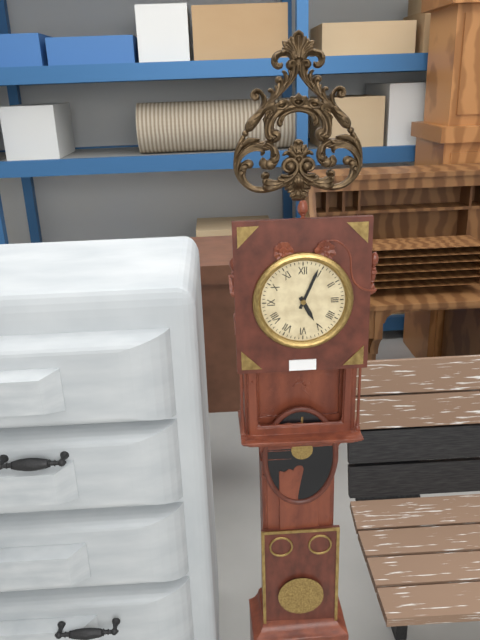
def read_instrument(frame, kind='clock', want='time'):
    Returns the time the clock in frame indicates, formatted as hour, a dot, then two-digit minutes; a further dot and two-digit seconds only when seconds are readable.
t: 5.04
